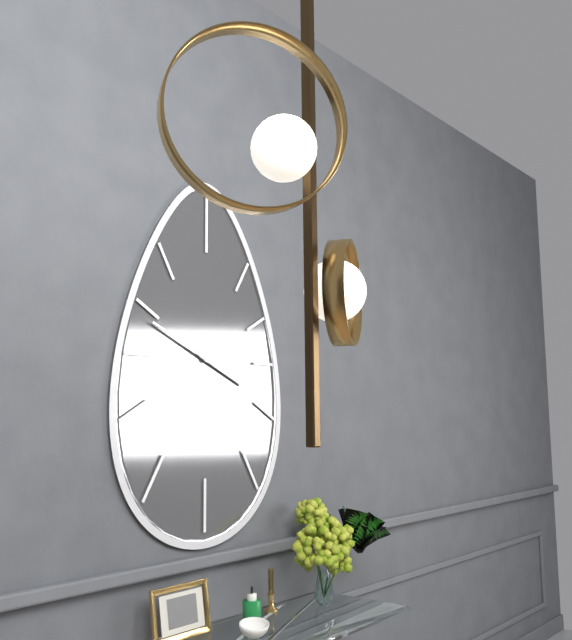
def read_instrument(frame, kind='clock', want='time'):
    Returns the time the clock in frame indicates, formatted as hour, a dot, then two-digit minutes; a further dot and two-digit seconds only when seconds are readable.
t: 3.49
